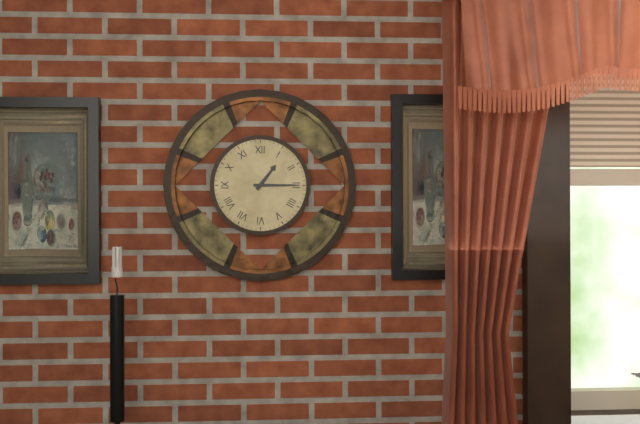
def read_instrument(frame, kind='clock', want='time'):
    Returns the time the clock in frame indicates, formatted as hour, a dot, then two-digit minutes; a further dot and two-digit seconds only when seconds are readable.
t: 1.15
